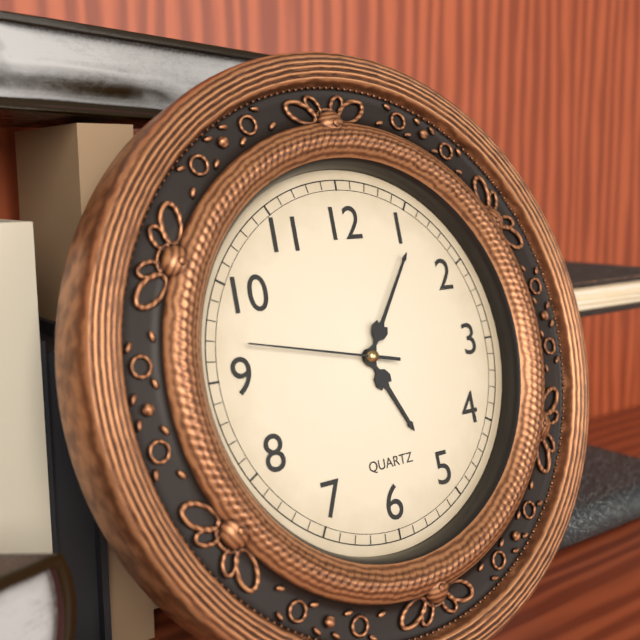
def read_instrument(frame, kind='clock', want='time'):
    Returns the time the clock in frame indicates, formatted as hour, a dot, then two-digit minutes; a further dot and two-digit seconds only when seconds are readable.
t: 5.06.47
